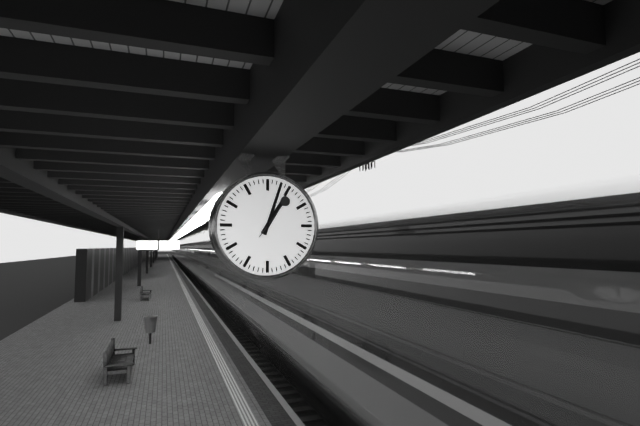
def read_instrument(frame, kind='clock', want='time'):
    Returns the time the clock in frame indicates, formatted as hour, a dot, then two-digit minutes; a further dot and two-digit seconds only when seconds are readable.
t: 1.03
